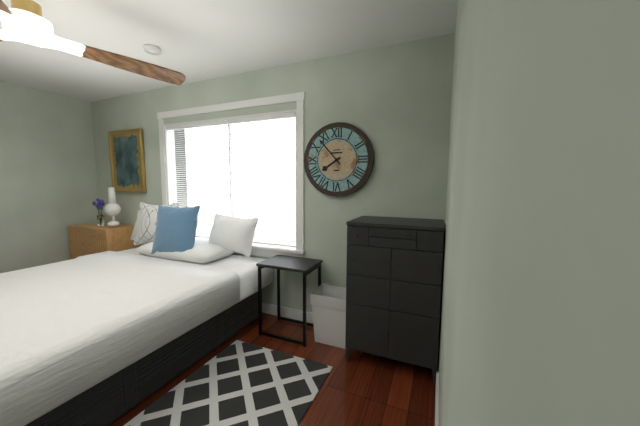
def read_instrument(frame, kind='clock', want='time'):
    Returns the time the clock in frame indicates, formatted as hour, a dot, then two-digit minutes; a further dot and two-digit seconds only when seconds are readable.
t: 7.53
